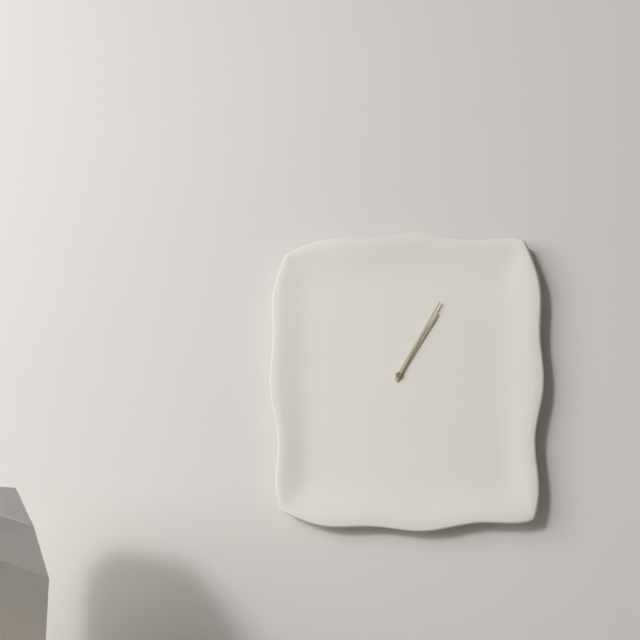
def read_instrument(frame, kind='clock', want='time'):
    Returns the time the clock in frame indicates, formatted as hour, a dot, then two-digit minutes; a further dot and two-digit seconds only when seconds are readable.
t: 1.05
